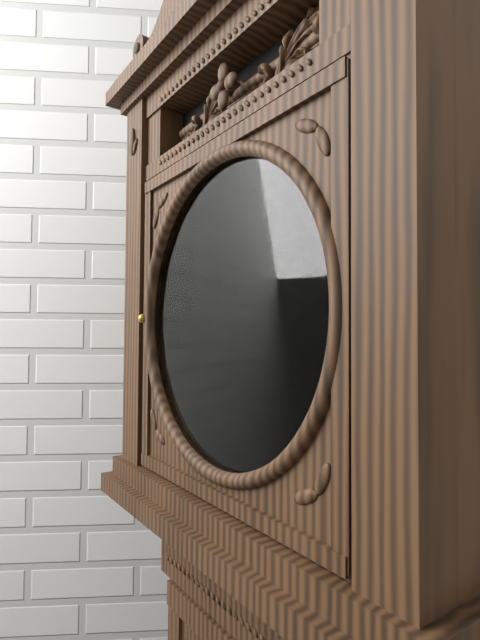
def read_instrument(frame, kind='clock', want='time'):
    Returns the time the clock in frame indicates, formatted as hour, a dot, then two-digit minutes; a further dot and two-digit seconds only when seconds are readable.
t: 4.41
